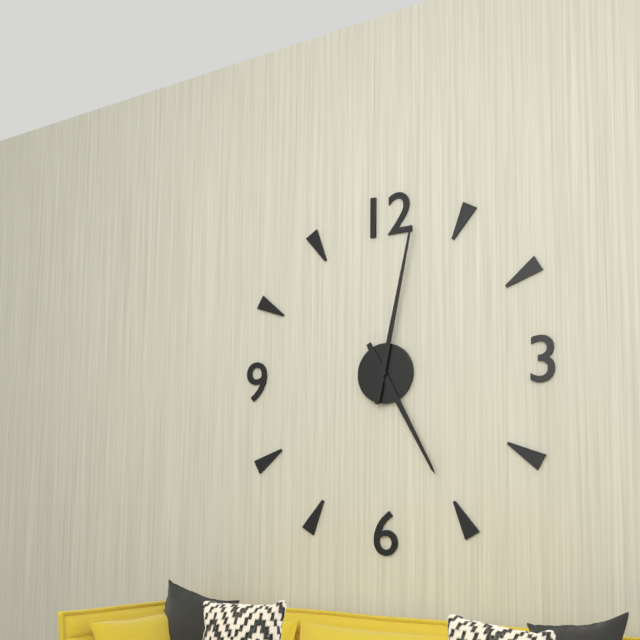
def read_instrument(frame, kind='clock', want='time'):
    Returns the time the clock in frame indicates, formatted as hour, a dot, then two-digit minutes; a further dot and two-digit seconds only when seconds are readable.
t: 5.02
